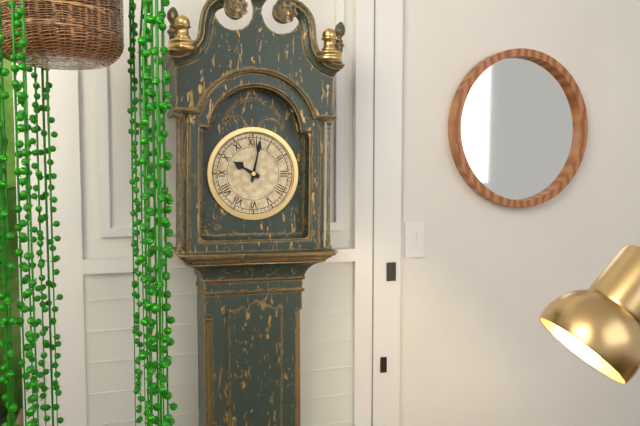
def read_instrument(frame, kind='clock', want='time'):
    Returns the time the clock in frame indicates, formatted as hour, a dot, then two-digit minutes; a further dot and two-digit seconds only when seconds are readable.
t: 10.02
